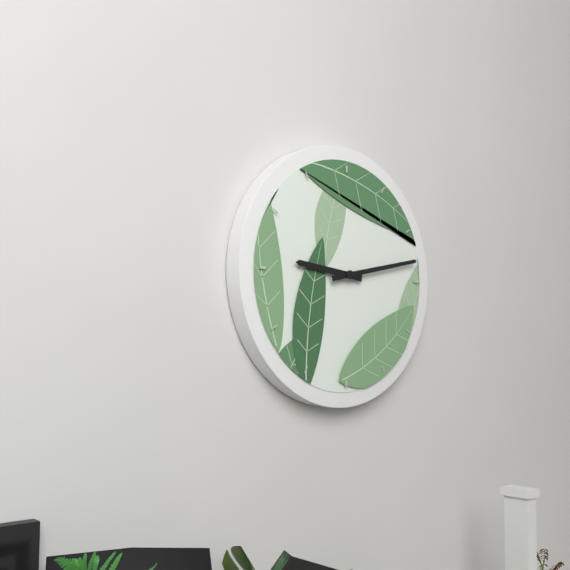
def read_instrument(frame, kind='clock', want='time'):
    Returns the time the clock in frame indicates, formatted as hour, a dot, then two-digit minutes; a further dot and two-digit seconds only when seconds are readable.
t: 9.13
